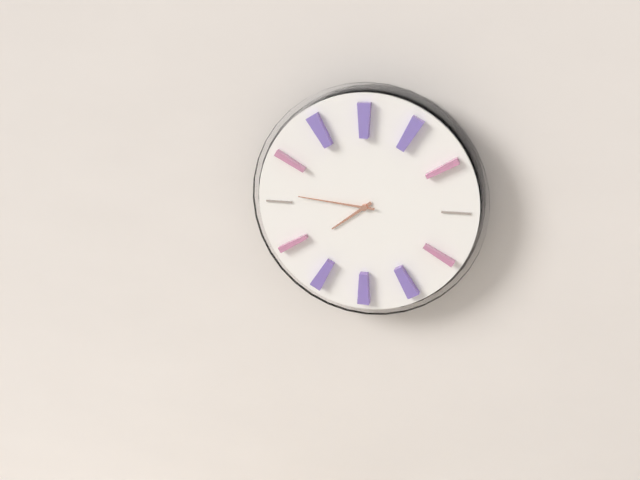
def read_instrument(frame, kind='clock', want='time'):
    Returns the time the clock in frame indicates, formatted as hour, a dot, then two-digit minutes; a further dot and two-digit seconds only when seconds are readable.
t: 7.46
